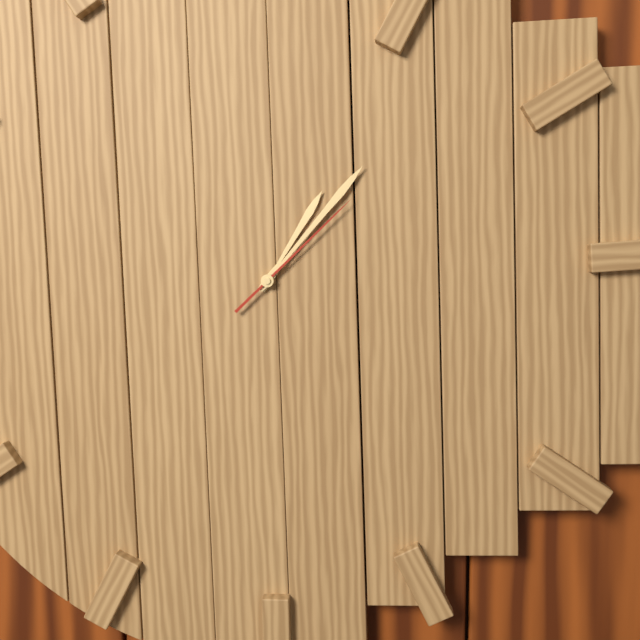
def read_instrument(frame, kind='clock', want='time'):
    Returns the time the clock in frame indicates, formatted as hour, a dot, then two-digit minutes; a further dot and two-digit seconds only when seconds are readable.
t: 1.07.08
